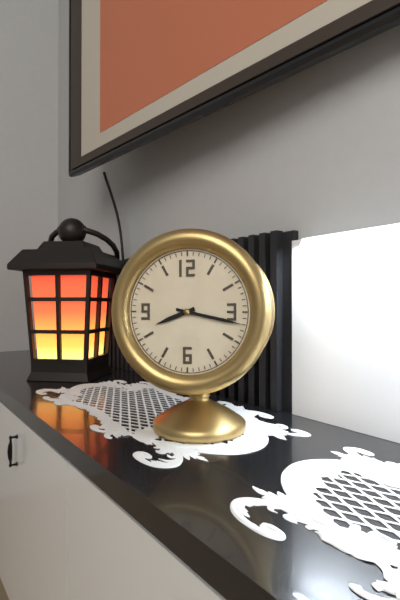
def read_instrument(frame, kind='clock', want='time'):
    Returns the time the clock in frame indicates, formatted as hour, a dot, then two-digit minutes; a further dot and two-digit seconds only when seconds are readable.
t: 8.17
